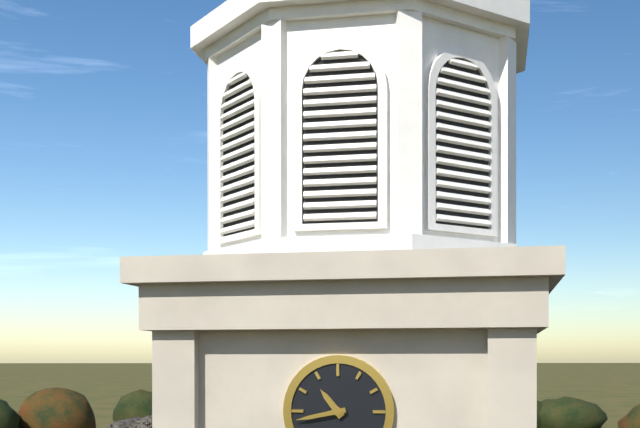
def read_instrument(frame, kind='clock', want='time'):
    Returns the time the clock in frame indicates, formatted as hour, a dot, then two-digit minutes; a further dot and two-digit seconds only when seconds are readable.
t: 10.43
